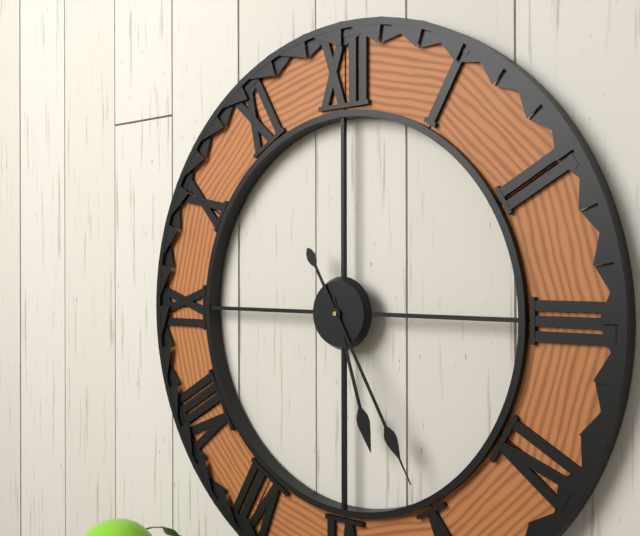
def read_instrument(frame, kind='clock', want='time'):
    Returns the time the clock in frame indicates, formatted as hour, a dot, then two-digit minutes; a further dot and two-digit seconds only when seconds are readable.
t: 5.25
